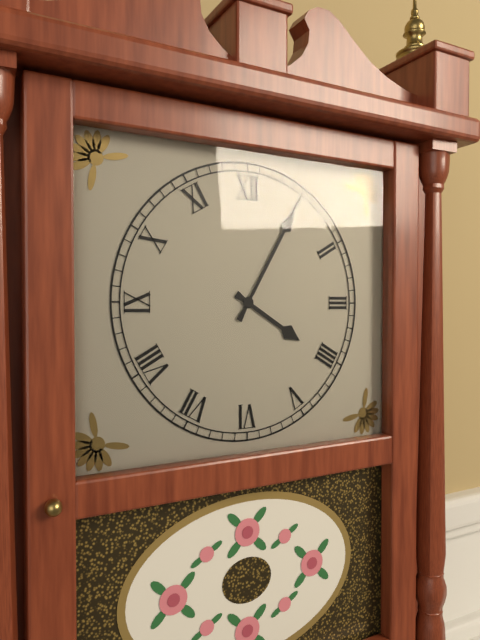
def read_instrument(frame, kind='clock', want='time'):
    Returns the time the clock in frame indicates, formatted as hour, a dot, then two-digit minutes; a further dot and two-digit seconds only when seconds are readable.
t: 4.05
